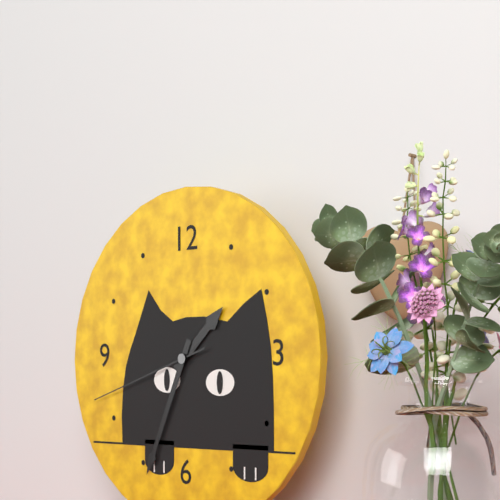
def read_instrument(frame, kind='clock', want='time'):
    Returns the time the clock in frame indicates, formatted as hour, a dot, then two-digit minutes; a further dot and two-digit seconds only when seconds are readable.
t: 1.34.42
